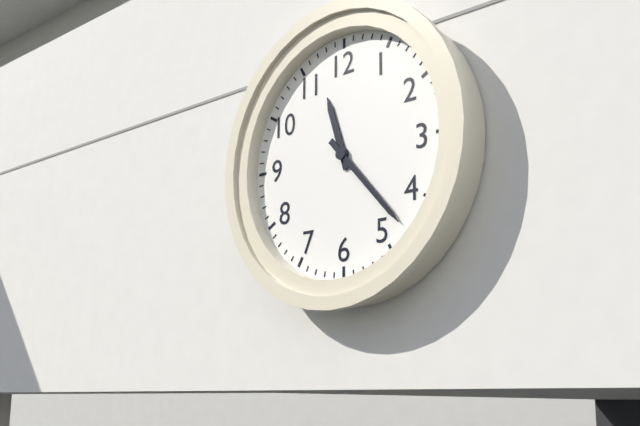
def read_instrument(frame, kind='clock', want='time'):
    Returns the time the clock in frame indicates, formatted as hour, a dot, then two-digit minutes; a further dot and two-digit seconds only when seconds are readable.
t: 11.23
